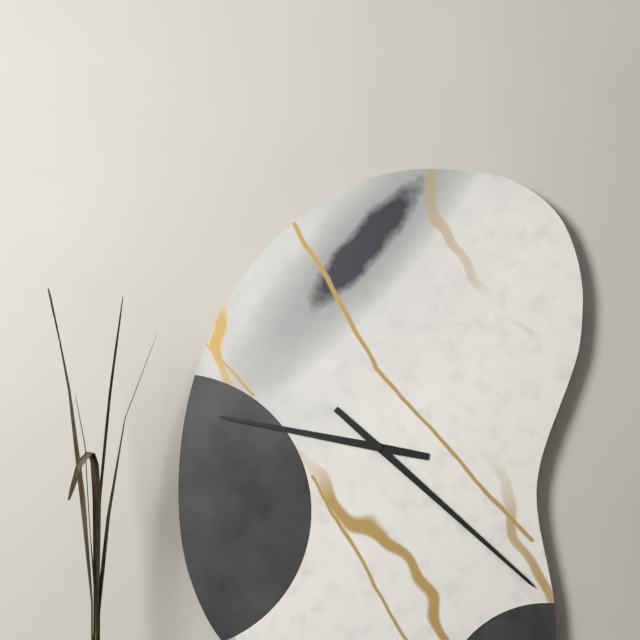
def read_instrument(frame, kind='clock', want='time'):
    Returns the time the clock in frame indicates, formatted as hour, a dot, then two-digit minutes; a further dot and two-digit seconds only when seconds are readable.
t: 9.22
